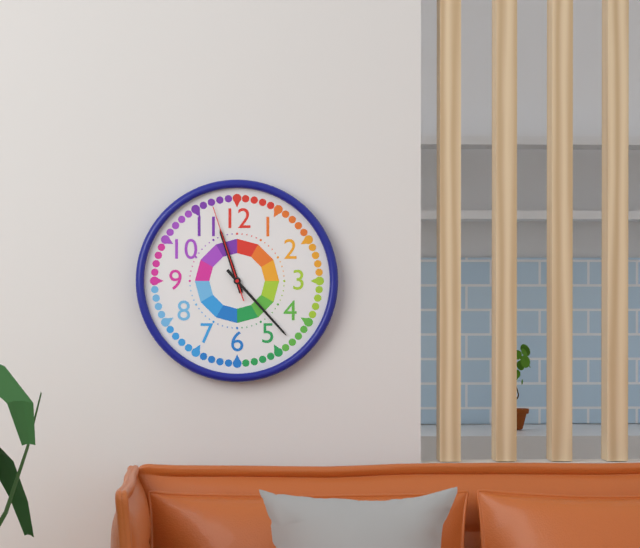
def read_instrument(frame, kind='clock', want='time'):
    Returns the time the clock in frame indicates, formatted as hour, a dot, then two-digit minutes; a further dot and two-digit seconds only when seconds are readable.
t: 11.23.57
